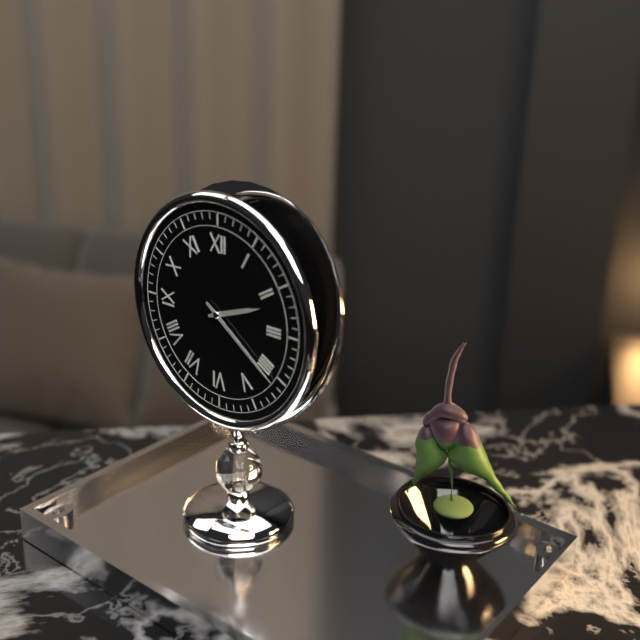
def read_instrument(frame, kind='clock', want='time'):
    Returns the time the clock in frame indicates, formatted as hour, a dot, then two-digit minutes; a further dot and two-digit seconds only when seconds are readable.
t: 2.21
